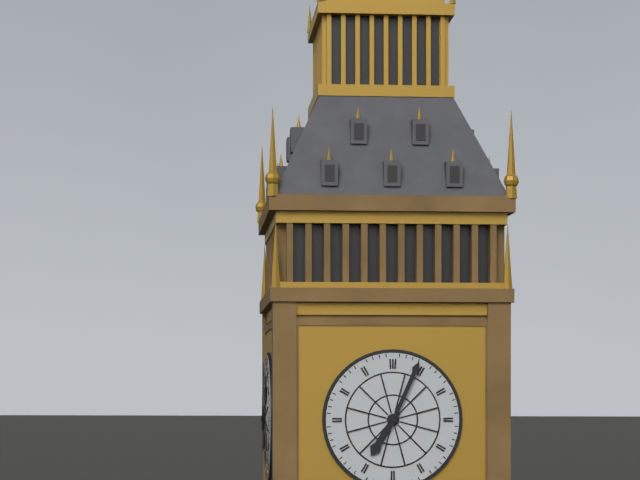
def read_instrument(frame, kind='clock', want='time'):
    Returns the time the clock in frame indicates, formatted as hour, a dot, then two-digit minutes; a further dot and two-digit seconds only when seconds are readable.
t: 7.04
